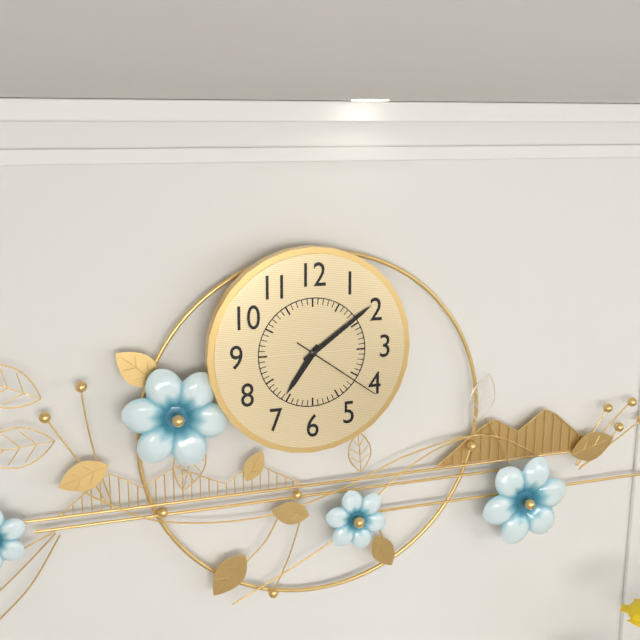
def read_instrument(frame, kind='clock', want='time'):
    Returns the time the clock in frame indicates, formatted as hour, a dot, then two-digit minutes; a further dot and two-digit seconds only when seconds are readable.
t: 7.09.21
